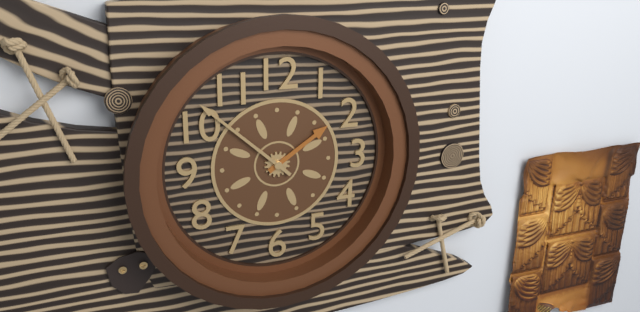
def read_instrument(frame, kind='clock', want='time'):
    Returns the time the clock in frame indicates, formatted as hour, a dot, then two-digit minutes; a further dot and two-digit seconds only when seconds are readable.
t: 1.52
